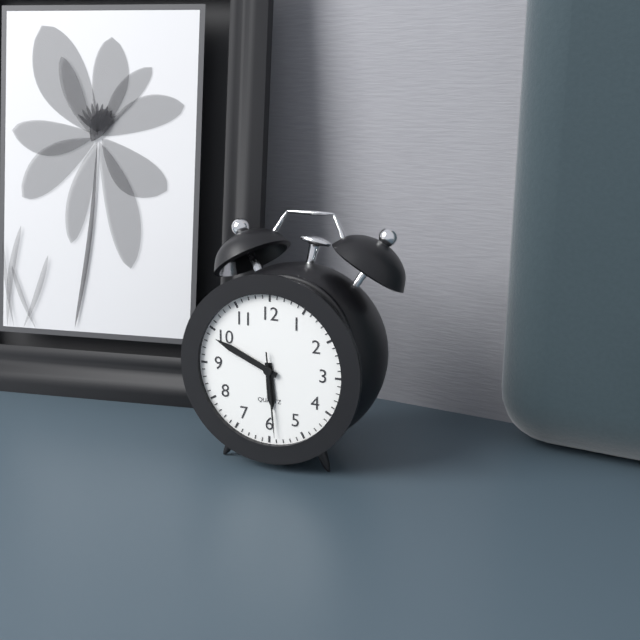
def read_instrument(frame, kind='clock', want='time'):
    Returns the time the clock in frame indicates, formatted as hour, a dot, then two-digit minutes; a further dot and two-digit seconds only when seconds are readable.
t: 5.49.29
